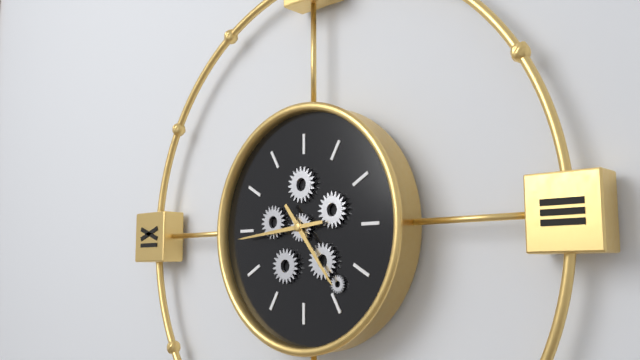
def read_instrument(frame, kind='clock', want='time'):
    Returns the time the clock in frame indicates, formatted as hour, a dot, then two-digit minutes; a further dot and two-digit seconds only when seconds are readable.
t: 4.44
